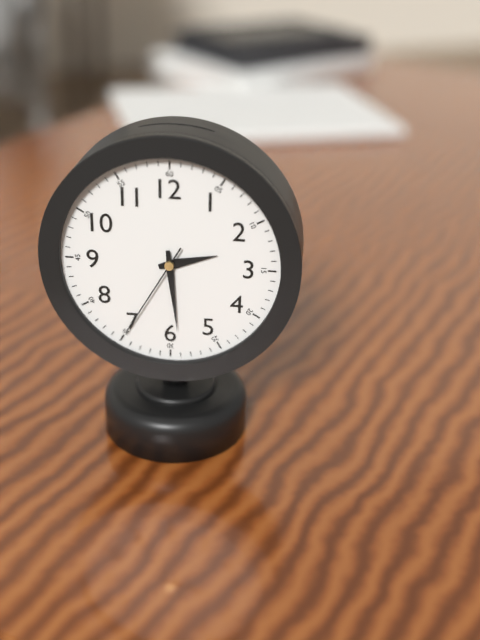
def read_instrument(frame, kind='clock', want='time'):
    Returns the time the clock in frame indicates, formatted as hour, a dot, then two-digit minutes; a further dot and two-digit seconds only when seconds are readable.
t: 2.29.35
